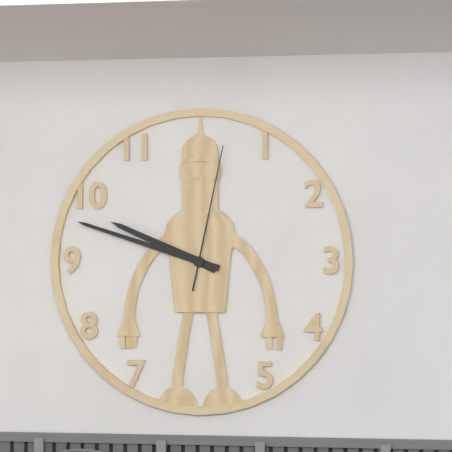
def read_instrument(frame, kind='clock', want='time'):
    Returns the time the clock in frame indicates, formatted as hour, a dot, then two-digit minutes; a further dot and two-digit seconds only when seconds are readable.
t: 9.48.02
